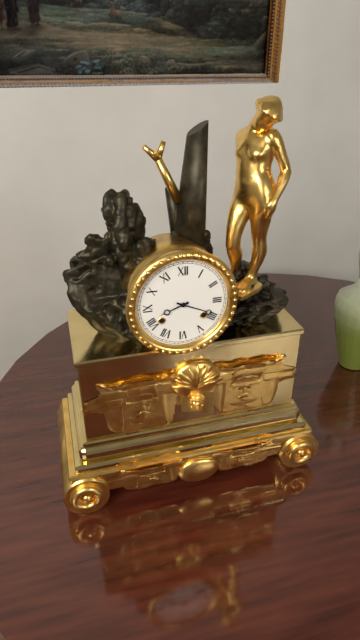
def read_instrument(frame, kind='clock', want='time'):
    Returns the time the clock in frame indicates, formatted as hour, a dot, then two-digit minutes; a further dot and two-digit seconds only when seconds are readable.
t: 8.19
